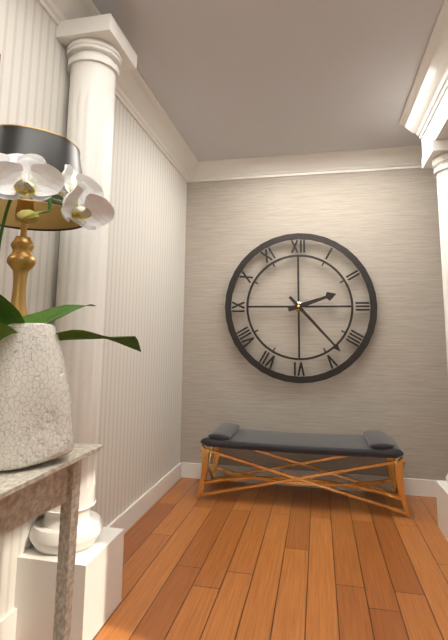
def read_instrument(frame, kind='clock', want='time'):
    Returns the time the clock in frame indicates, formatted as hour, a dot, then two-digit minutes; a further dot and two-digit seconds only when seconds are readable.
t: 2.23
